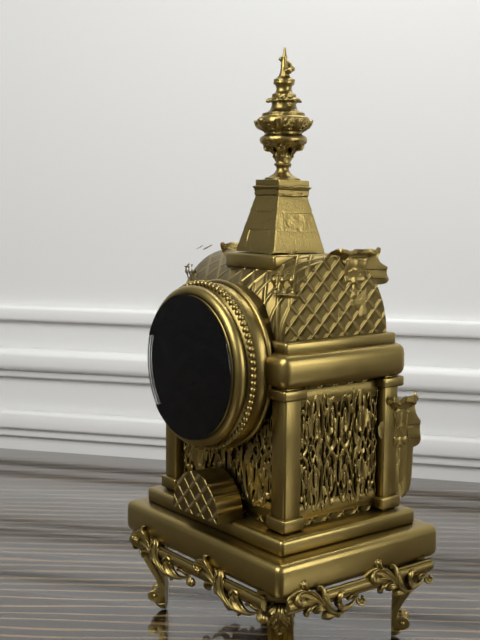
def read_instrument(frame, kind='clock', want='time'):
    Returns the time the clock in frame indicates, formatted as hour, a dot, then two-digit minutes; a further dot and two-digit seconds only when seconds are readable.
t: 4.35
